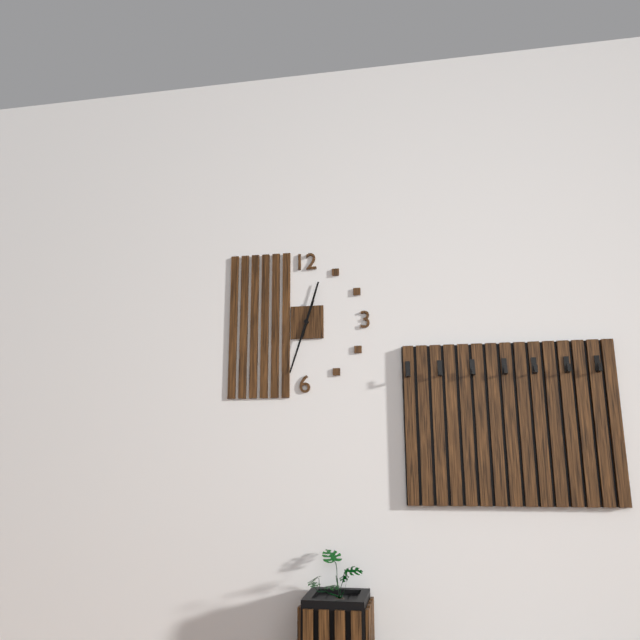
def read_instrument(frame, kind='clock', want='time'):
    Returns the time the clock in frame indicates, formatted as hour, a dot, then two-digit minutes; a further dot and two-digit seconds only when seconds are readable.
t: 12.33
